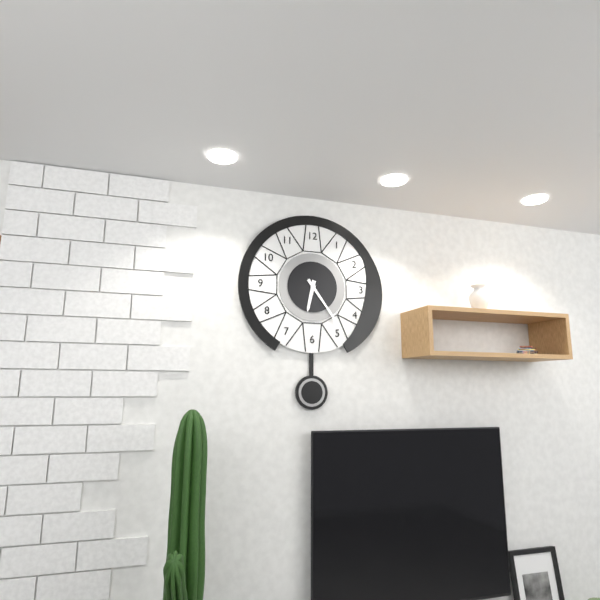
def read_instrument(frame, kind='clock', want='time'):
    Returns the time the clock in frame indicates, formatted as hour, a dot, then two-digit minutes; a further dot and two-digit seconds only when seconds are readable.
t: 6.24
